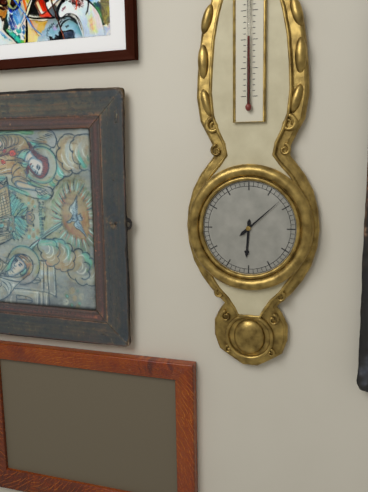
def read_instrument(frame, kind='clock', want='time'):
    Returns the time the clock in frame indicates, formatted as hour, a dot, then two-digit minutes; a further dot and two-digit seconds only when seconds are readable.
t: 6.08
